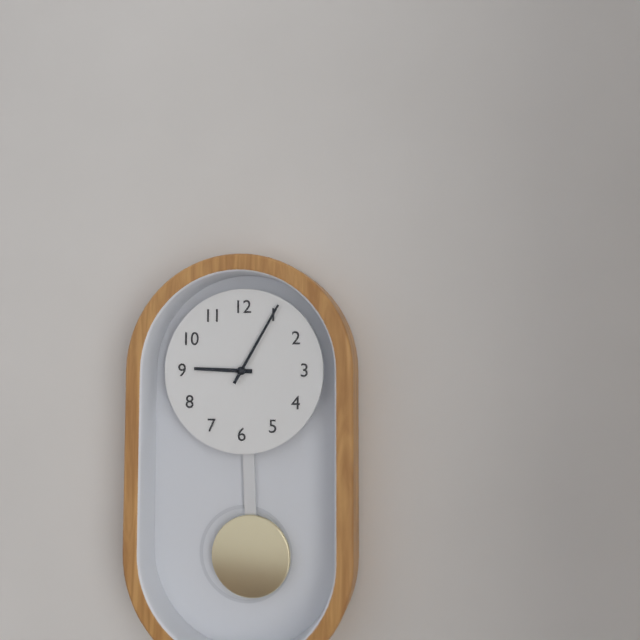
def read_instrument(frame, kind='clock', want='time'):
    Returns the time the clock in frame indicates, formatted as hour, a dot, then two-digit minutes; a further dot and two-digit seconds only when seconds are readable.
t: 9.05
